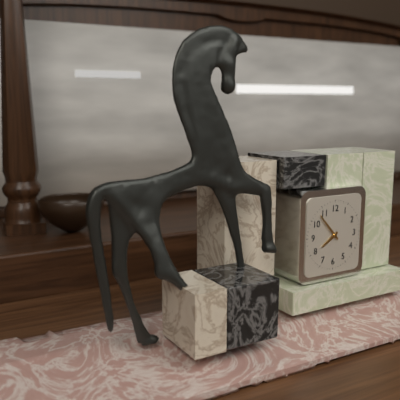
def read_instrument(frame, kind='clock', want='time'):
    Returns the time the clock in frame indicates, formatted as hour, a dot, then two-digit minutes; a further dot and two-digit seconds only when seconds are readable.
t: 7.53
